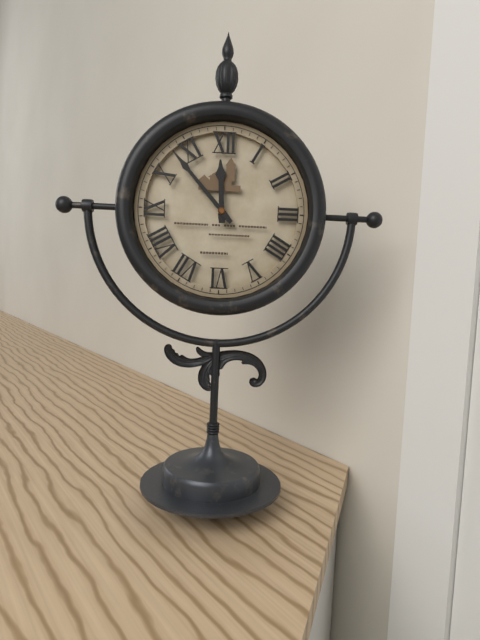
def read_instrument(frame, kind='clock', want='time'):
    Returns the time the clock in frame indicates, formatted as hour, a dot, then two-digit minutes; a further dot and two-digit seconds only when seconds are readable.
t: 11.53
